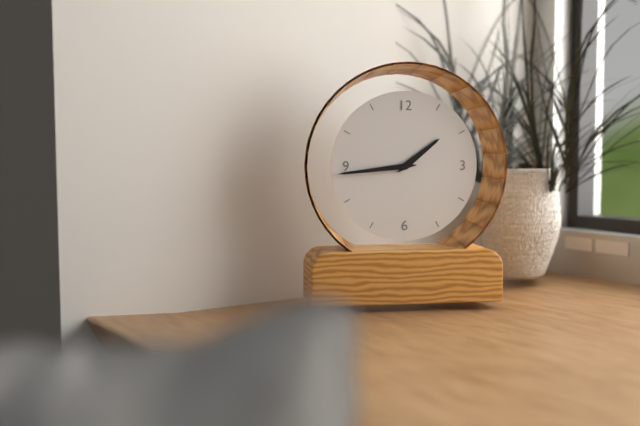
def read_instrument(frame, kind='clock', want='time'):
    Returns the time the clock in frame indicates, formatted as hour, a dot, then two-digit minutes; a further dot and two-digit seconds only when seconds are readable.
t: 1.44
